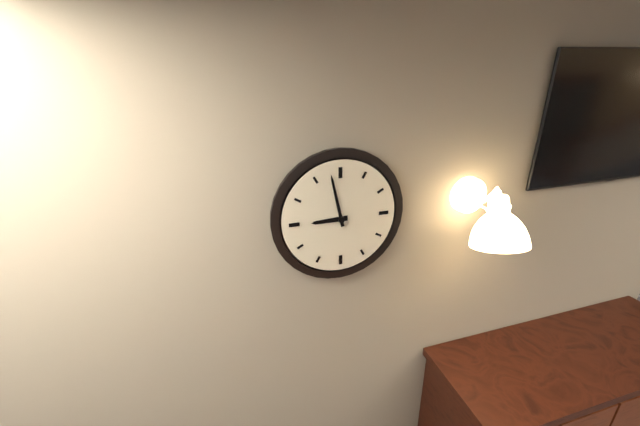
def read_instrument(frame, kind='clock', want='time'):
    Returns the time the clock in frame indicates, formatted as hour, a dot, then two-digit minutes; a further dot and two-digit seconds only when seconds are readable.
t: 8.58
